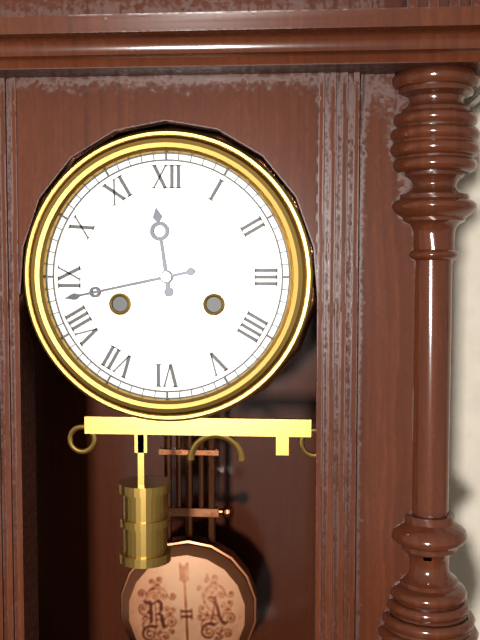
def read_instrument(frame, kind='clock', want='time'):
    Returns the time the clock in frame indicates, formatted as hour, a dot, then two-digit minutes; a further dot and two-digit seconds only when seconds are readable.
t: 11.43
